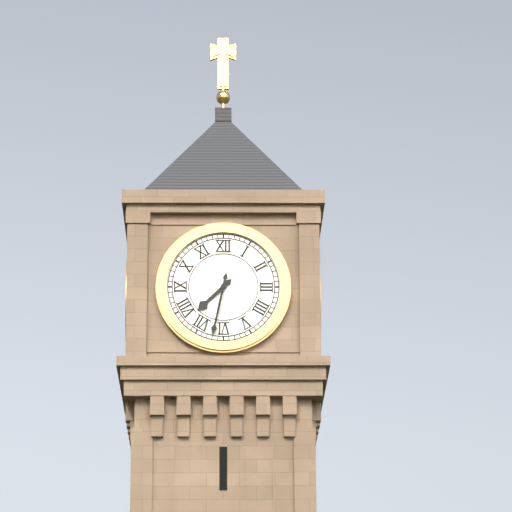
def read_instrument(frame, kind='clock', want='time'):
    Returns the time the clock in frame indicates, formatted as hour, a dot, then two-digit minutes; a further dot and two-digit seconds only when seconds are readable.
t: 7.32
